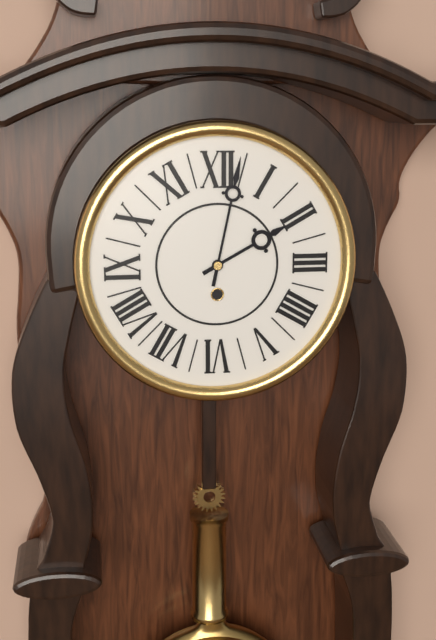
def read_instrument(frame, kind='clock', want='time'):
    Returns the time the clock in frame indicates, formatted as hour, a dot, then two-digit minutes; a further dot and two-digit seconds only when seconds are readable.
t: 2.02
